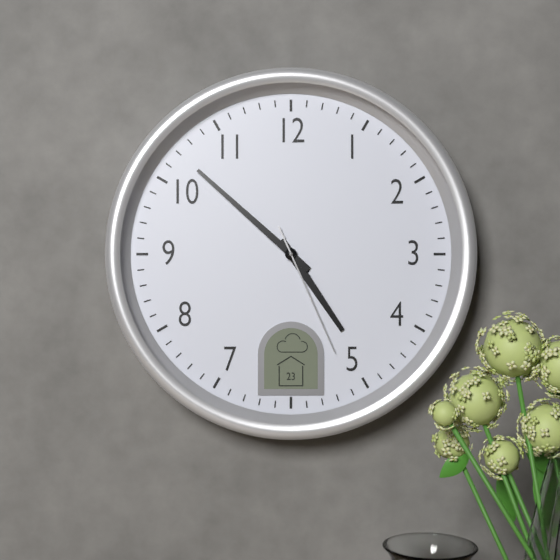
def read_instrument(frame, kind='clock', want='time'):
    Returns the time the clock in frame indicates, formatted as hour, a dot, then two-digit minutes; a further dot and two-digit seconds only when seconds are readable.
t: 4.52.26
